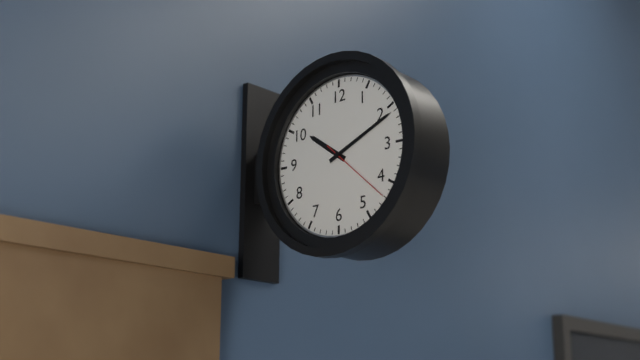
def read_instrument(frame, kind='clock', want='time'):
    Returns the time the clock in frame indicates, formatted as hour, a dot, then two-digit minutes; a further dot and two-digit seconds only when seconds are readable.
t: 10.11.22
